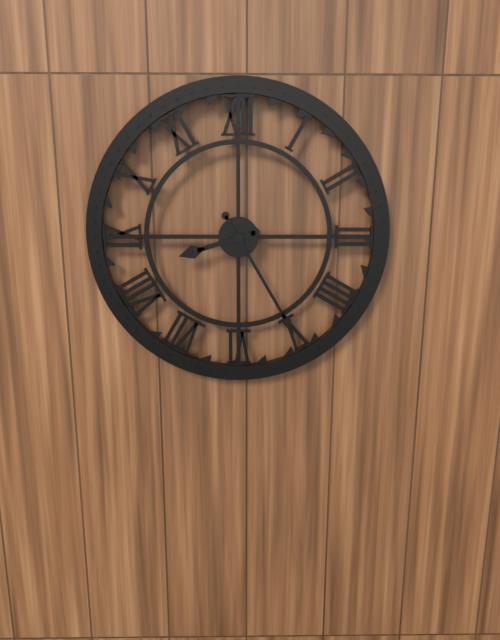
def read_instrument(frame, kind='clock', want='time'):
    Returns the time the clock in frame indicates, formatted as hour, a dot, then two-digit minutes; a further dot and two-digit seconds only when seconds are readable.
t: 8.25
